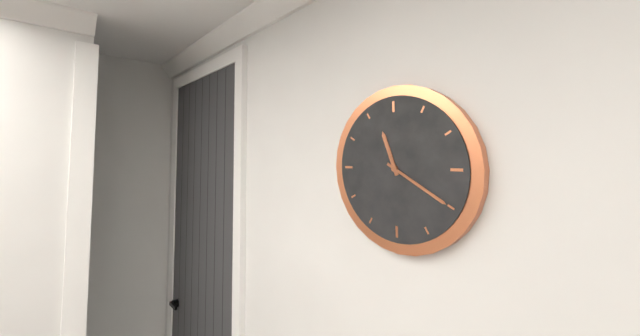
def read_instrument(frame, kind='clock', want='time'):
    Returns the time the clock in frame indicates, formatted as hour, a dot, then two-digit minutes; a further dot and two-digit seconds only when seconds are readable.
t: 11.20
